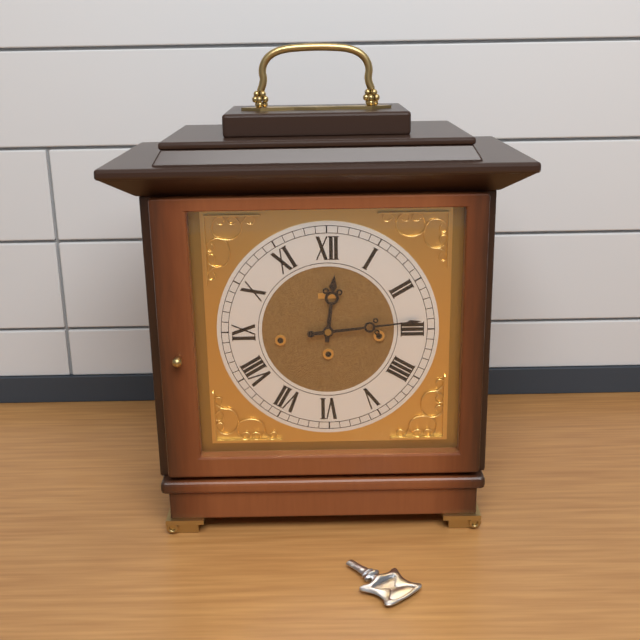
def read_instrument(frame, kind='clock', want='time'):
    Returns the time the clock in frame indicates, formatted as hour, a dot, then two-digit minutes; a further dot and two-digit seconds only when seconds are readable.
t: 12.14
